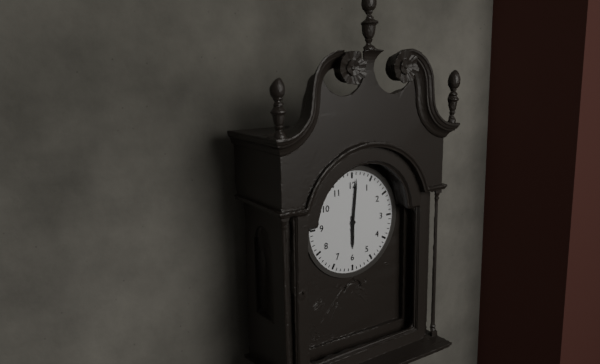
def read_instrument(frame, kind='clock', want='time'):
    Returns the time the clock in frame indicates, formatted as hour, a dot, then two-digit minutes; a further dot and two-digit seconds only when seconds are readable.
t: 6.01
